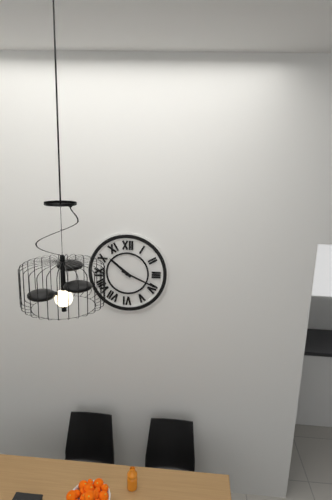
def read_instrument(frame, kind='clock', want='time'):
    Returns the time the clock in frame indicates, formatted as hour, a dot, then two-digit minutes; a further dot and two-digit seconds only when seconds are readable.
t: 10.19
